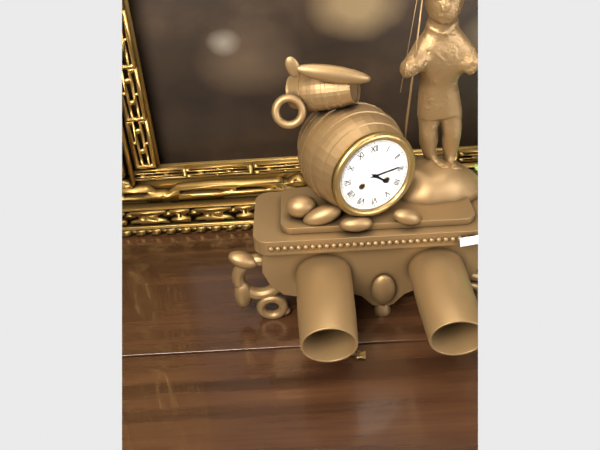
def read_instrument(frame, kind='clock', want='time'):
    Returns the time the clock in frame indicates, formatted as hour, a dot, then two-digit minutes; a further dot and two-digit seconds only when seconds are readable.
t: 4.14
